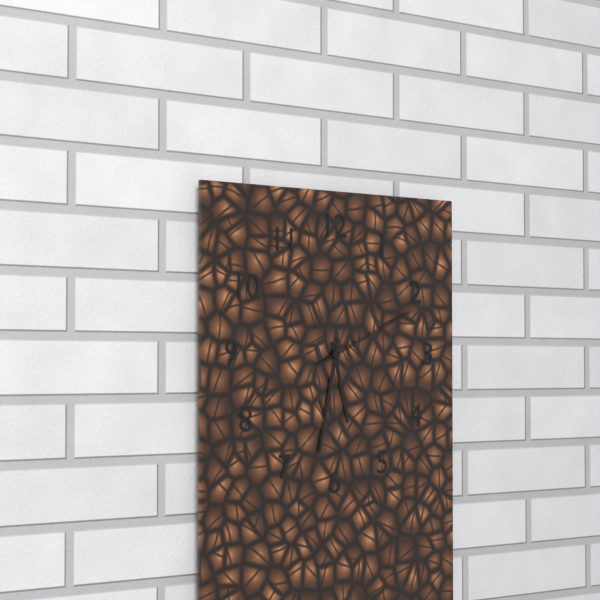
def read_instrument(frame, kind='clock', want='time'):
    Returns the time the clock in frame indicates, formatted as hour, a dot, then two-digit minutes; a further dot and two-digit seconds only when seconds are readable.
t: 5.32.11
